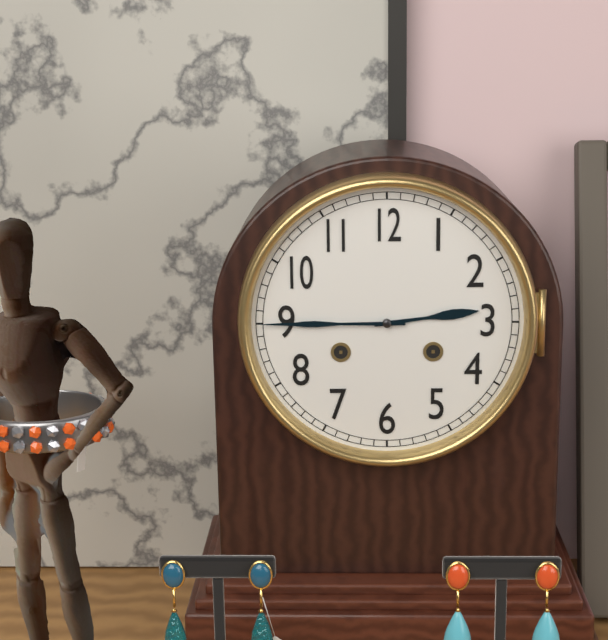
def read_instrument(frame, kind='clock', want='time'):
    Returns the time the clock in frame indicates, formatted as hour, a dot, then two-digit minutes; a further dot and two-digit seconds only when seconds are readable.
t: 2.45
